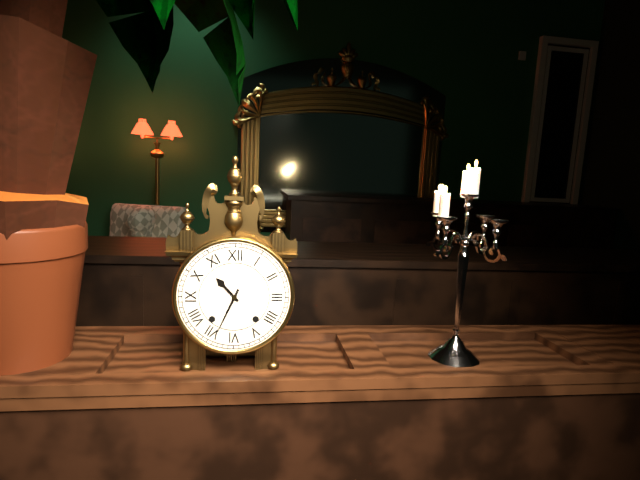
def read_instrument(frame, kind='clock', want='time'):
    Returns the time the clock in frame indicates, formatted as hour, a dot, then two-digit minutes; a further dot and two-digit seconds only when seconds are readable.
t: 10.34
